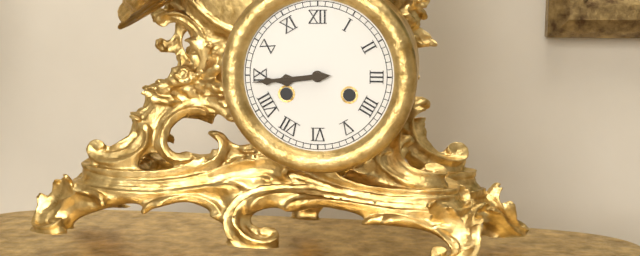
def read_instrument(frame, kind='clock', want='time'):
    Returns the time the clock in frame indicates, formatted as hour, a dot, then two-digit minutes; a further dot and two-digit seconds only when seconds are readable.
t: 8.44
